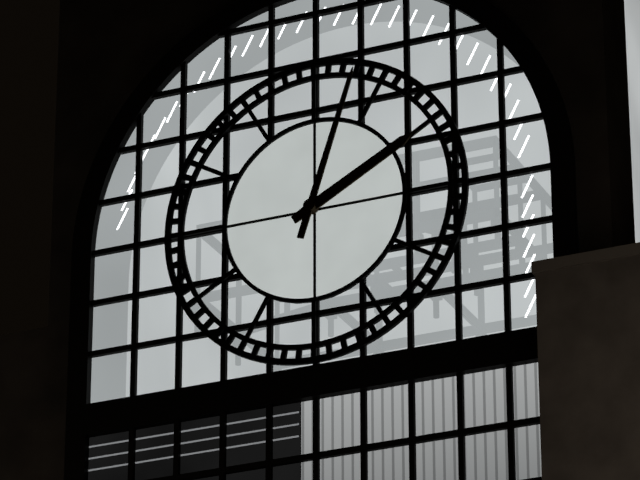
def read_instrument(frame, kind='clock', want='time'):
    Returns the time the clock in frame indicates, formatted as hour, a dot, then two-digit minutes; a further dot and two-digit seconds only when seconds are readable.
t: 2.03
